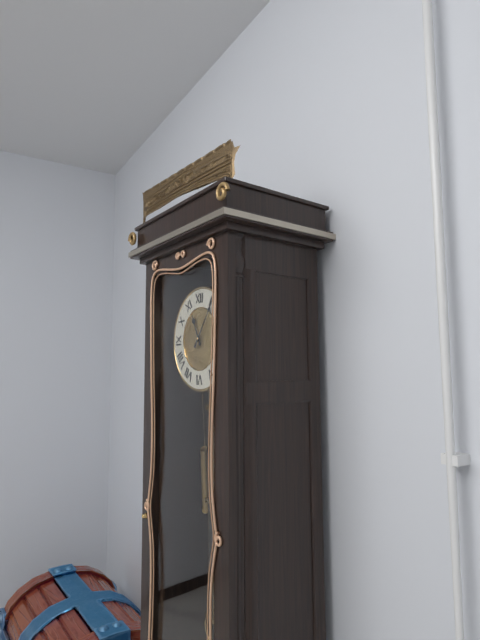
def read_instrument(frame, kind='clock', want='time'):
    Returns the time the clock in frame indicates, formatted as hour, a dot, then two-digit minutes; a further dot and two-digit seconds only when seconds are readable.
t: 11.06
